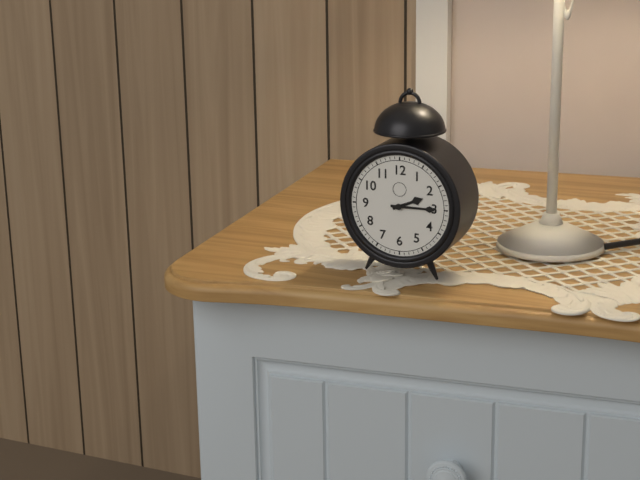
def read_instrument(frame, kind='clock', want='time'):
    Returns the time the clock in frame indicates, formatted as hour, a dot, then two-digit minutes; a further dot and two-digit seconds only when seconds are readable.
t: 2.15
